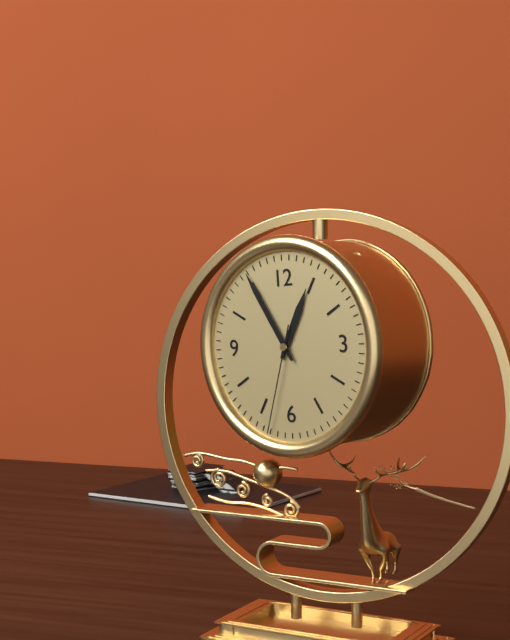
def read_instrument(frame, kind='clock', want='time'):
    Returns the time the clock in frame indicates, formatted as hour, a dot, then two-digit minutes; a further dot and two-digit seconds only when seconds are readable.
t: 12.55.33
